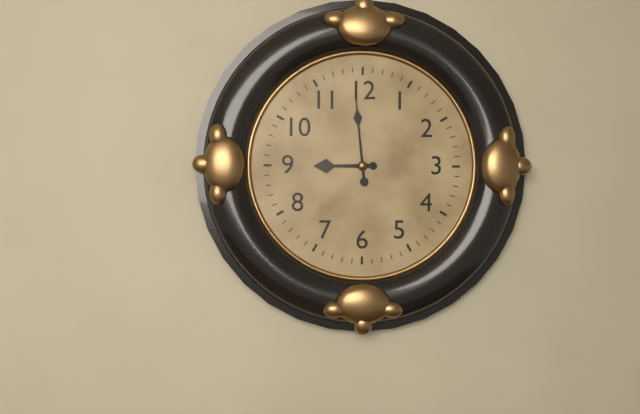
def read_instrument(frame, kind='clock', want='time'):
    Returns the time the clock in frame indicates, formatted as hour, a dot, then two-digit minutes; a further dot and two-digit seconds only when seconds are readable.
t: 8.59
